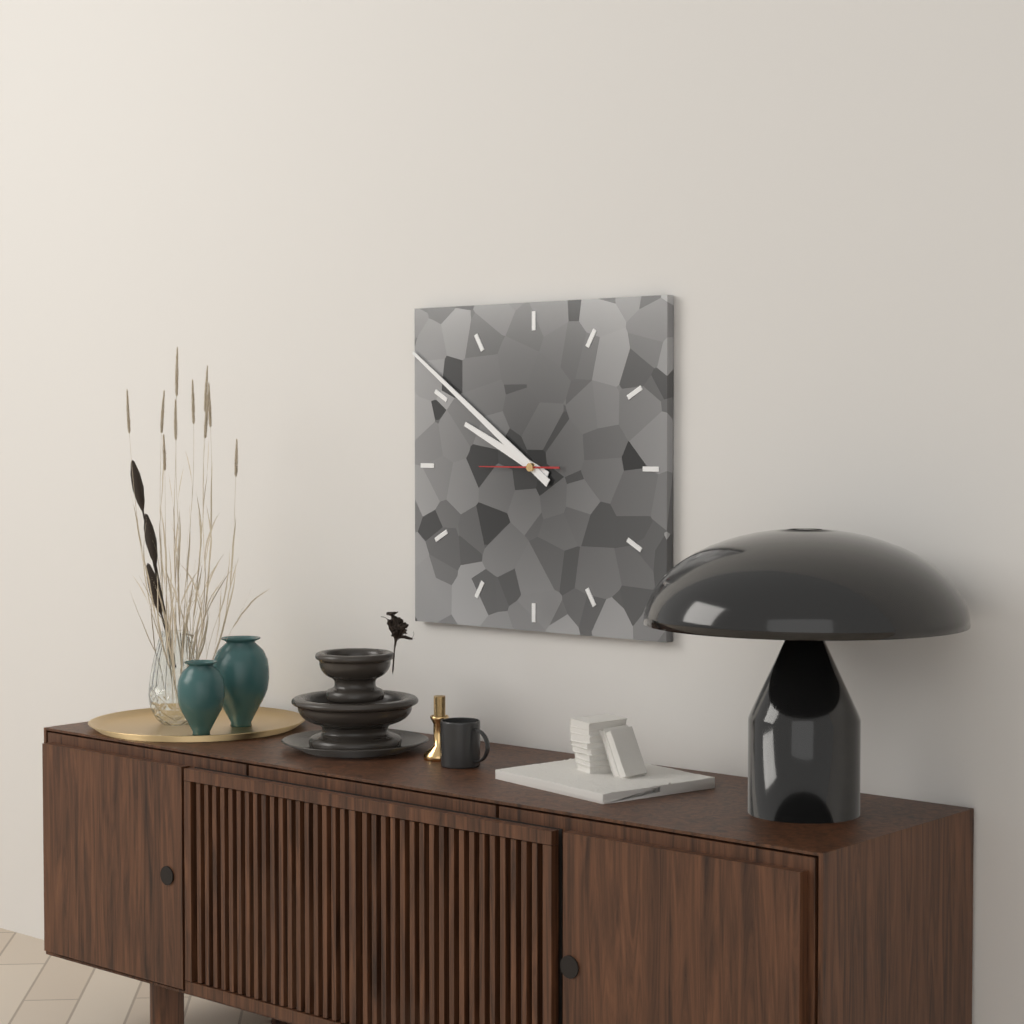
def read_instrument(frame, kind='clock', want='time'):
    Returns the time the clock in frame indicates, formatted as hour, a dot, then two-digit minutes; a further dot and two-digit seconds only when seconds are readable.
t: 9.51.45
